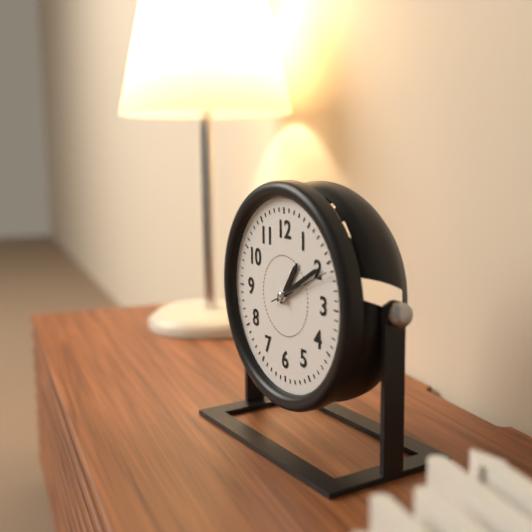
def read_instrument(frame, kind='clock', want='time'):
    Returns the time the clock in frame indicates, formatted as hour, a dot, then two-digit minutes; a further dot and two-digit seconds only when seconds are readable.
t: 1.10
